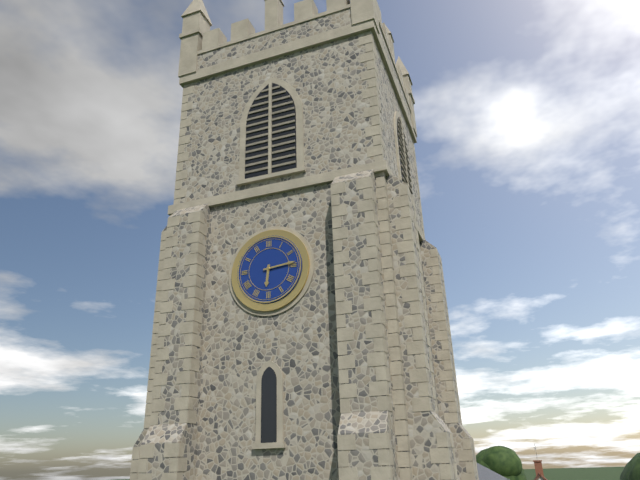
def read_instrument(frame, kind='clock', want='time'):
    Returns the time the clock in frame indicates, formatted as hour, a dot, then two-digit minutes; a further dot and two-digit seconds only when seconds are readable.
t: 6.14
